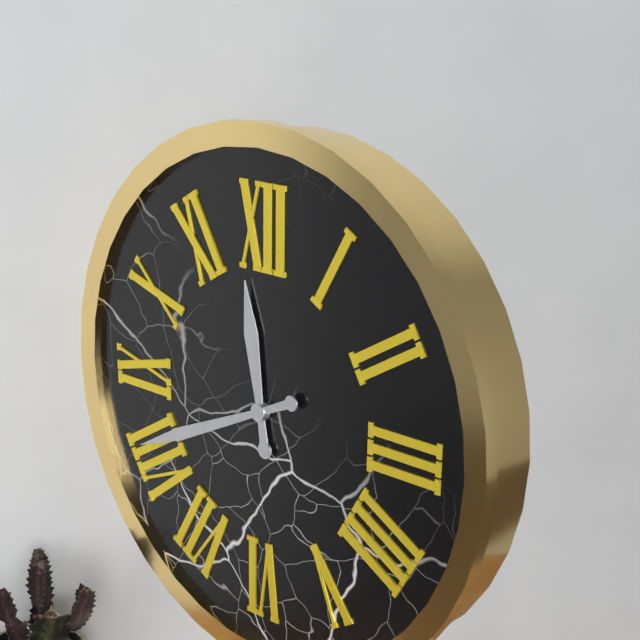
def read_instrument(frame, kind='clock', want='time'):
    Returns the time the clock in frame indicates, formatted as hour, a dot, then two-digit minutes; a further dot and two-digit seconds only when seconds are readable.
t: 11.41
